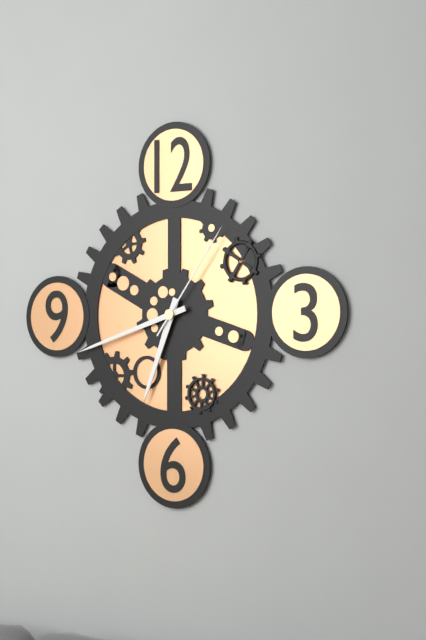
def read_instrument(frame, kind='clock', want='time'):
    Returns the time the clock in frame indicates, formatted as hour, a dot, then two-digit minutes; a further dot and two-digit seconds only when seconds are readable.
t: 6.42.06
